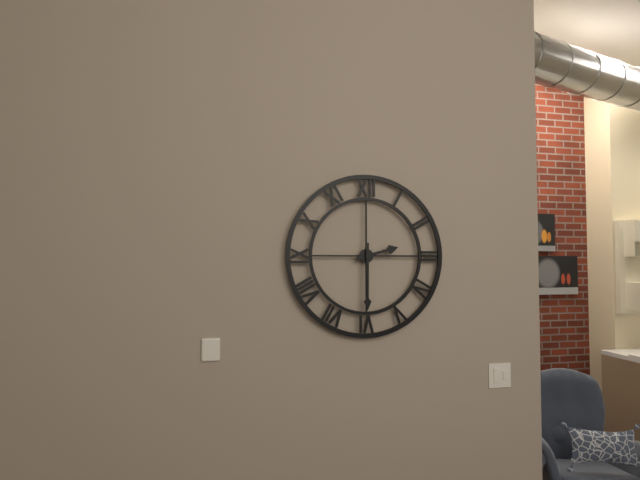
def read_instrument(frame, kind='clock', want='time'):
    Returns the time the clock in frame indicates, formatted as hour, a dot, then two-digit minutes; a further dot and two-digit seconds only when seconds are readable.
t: 2.30
